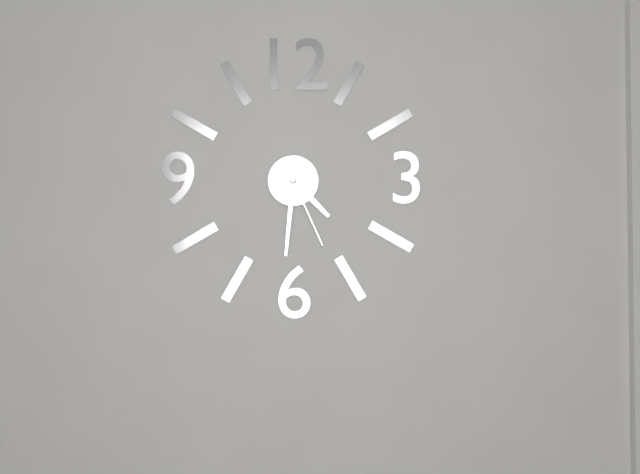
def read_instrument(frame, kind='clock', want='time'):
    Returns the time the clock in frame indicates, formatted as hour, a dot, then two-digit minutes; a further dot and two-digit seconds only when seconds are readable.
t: 4.31.26
